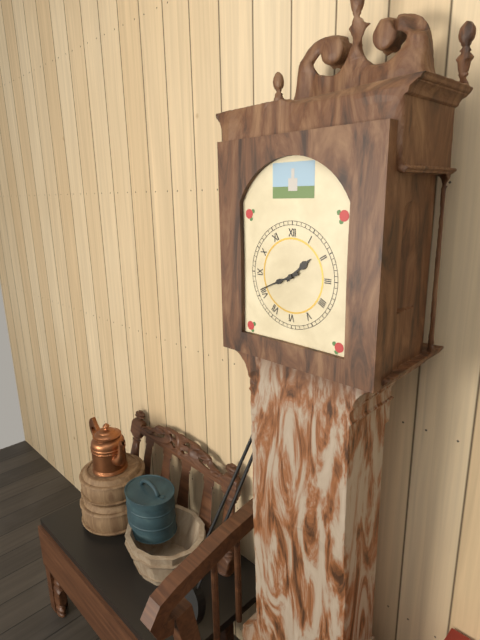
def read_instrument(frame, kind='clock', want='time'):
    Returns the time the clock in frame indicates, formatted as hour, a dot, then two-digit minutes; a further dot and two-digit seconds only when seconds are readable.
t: 1.41
